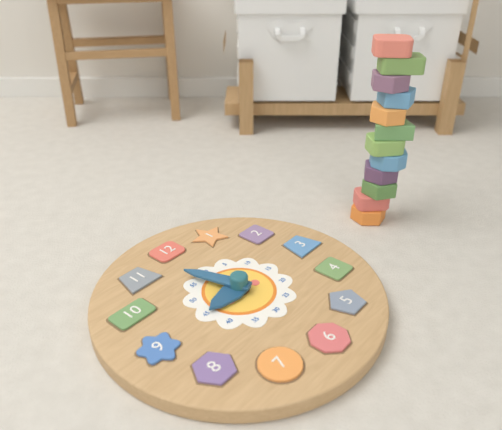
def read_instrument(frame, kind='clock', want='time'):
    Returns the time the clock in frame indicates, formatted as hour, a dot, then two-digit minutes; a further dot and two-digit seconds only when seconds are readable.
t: 8.57
